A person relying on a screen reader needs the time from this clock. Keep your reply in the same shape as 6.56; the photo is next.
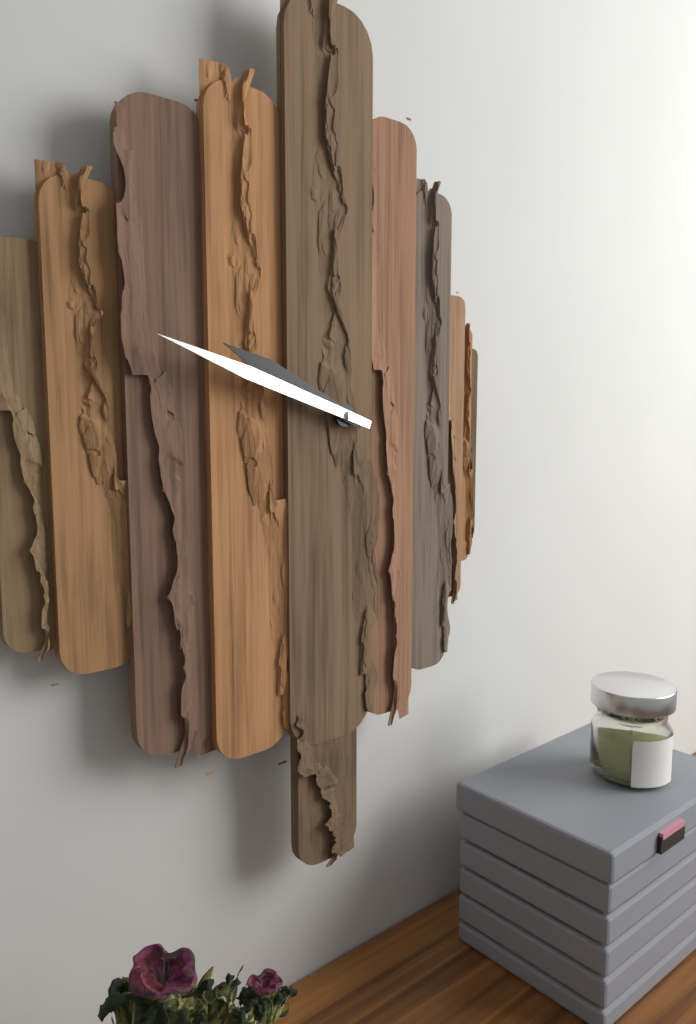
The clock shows 9.48
